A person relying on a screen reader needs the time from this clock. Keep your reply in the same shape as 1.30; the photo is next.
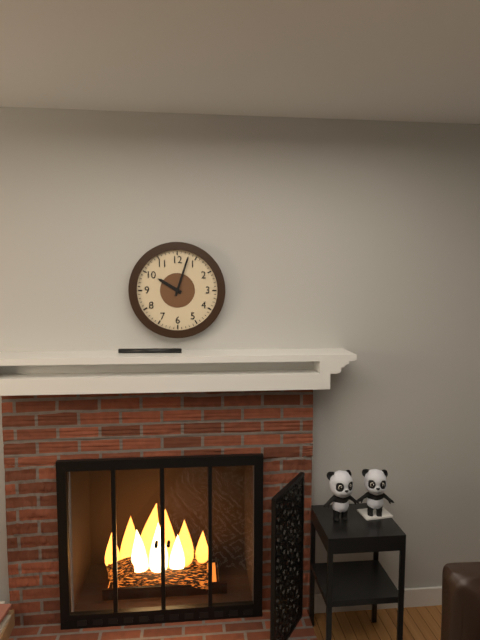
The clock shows 10.03
